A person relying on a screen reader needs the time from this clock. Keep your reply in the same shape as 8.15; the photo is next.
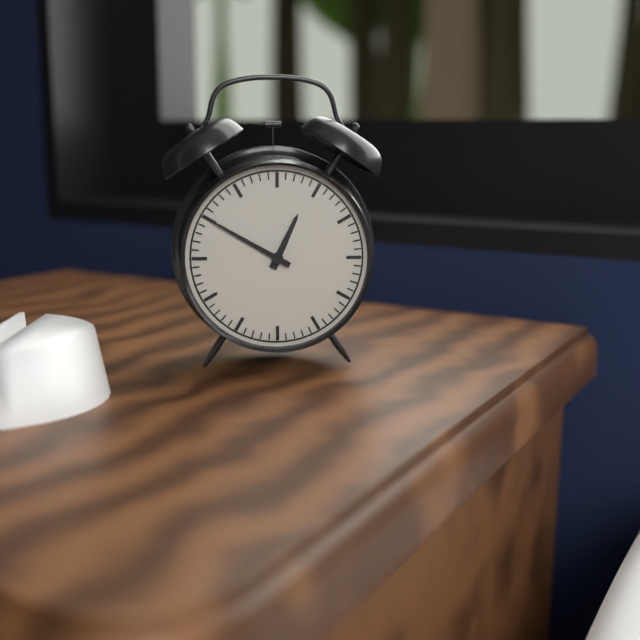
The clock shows 12.50
